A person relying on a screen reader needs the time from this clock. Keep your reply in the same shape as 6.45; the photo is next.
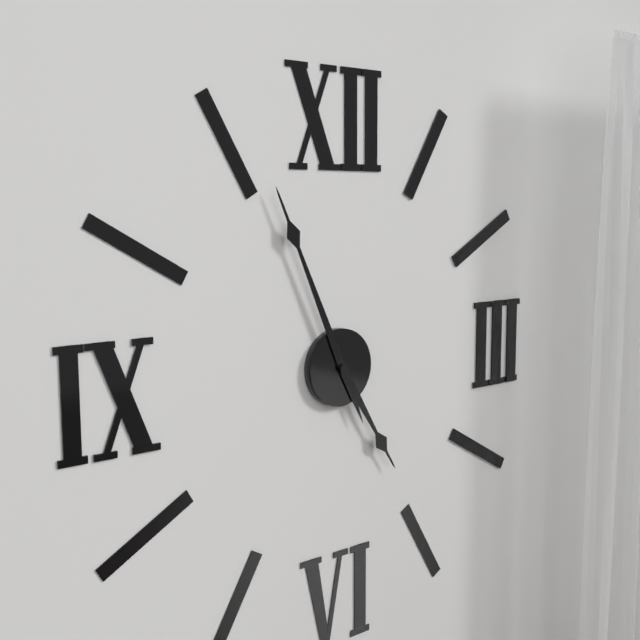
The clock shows 4.56
